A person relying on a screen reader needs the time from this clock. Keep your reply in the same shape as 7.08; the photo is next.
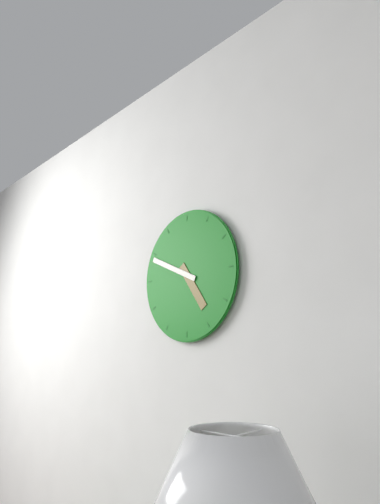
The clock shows 4.49
